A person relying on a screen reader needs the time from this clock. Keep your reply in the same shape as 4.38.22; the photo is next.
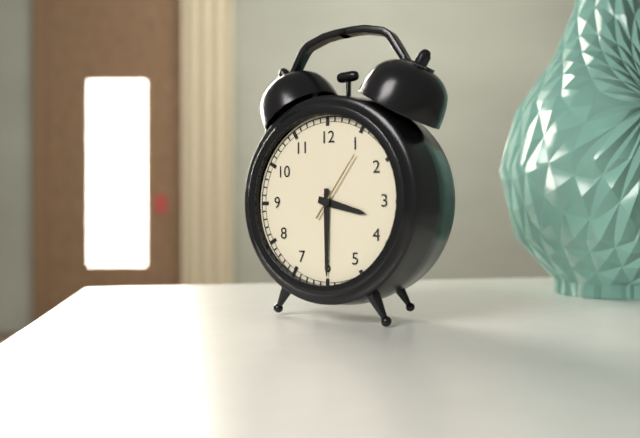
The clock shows 3.30.06
